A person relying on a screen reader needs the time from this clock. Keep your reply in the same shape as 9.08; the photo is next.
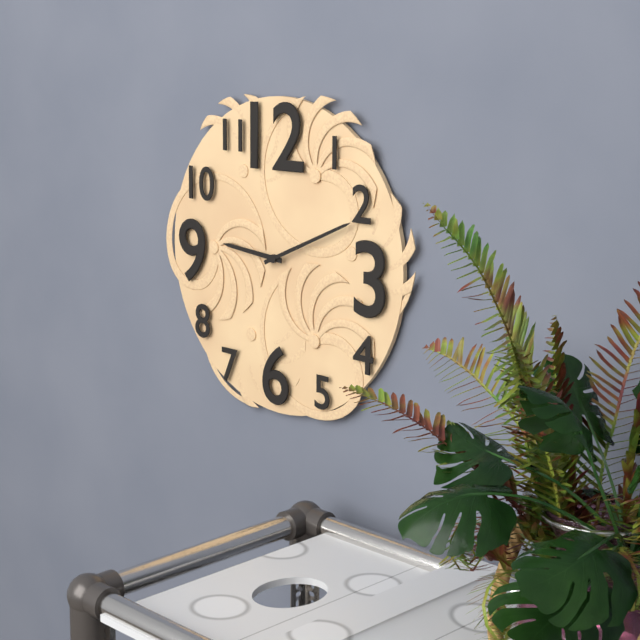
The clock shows 9.11
